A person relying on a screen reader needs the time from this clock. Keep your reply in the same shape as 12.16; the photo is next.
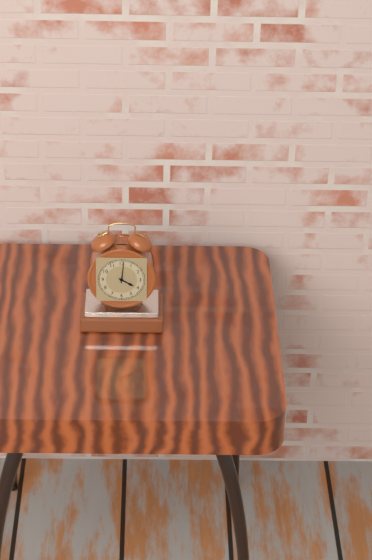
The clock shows 4.01
